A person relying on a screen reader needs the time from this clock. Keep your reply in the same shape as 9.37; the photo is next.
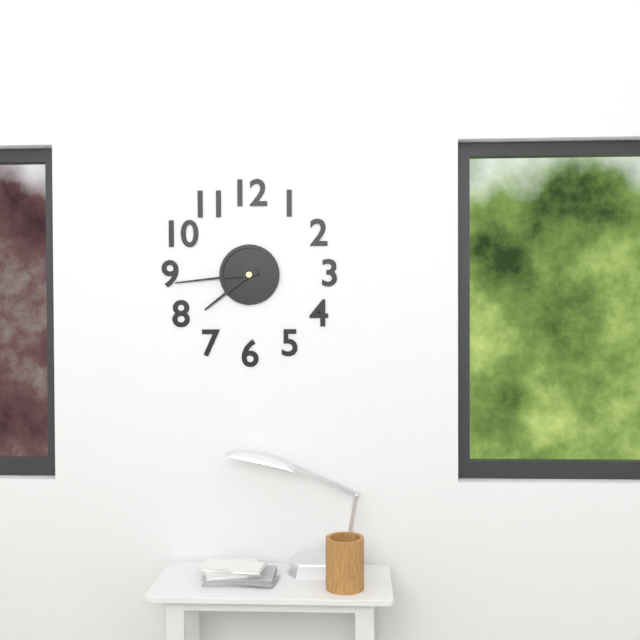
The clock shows 7.44
